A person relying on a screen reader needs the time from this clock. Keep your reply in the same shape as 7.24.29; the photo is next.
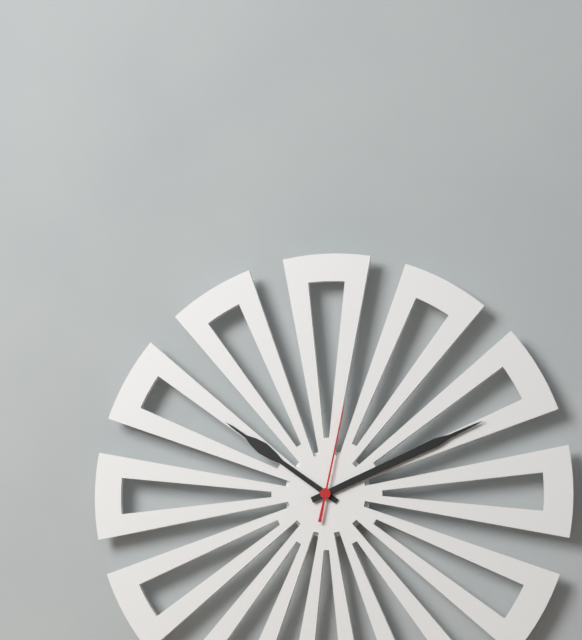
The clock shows 10.11.02
